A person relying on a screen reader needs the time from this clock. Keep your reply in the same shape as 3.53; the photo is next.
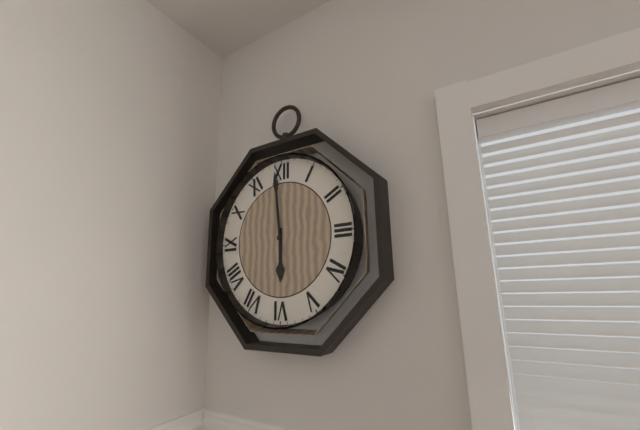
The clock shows 5.59
